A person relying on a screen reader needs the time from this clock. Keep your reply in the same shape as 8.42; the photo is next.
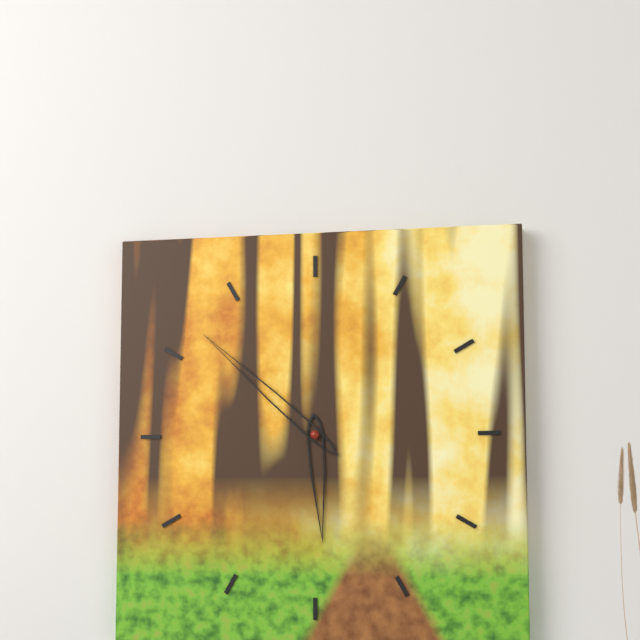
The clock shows 5.52
